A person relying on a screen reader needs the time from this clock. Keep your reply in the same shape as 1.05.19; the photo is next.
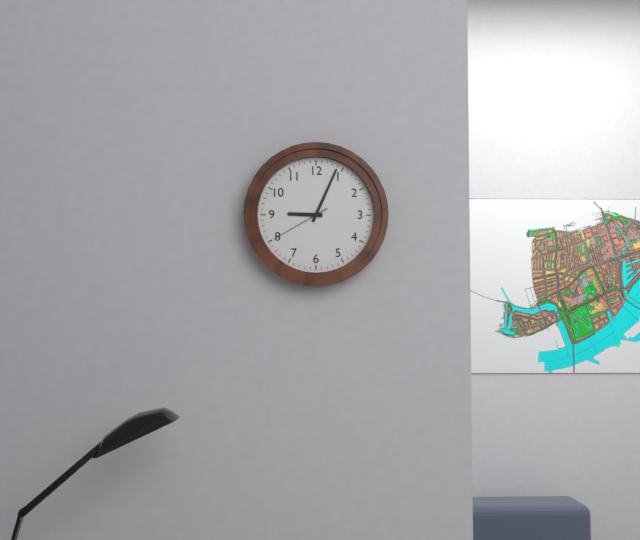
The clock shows 9.04.40
